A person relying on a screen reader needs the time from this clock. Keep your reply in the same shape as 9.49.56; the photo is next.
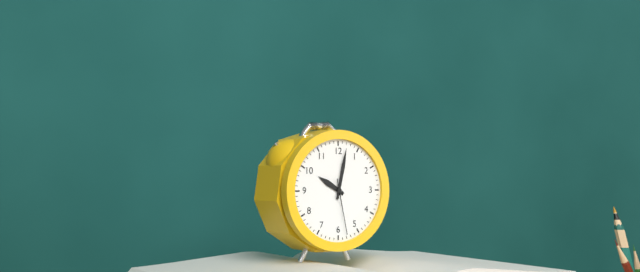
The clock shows 10.02.28
